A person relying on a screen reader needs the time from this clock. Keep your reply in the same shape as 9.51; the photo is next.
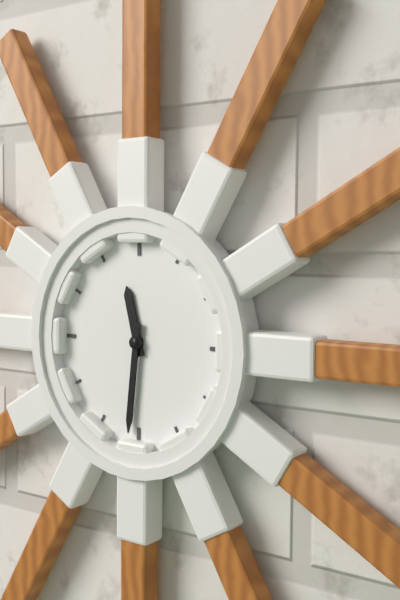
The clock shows 11.31
